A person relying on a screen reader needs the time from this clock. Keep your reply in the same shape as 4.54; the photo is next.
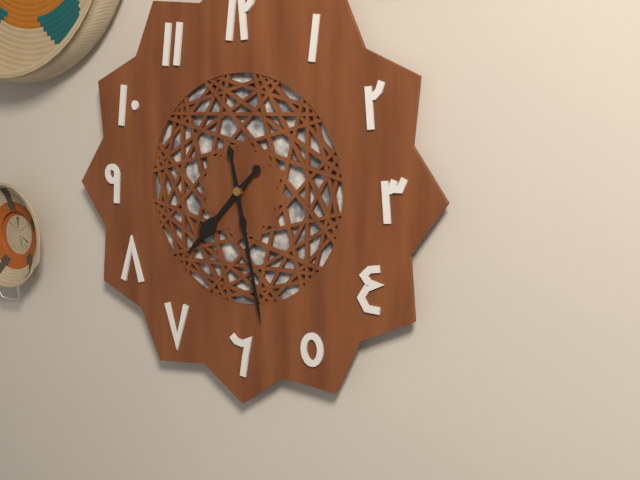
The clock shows 7.28
